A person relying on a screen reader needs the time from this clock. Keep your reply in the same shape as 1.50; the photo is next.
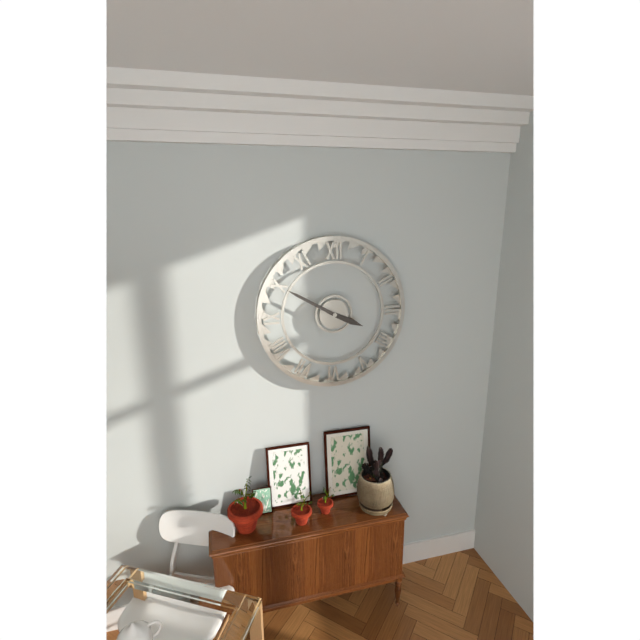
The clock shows 3.50
